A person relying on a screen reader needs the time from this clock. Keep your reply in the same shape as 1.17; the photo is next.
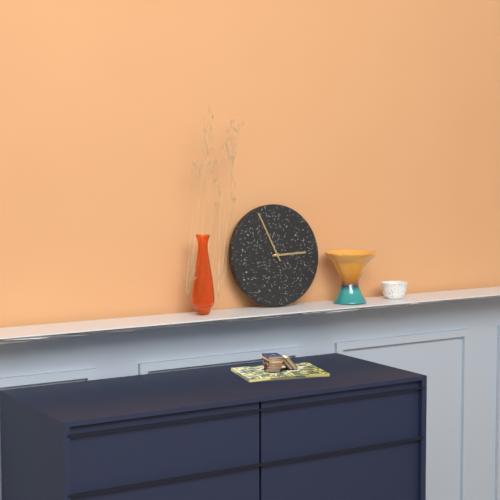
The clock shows 2.56
